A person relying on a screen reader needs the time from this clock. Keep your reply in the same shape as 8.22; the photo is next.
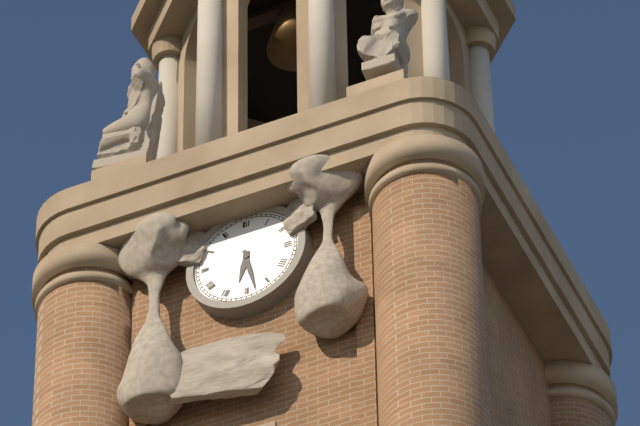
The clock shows 6.28
